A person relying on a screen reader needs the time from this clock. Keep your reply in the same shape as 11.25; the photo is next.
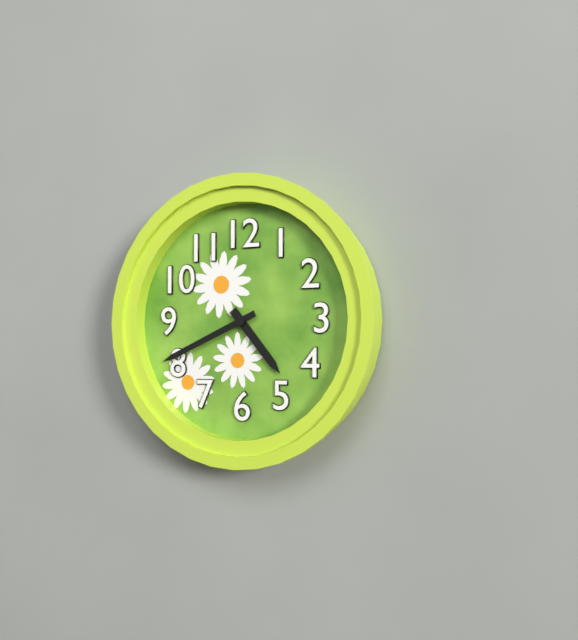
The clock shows 4.41
